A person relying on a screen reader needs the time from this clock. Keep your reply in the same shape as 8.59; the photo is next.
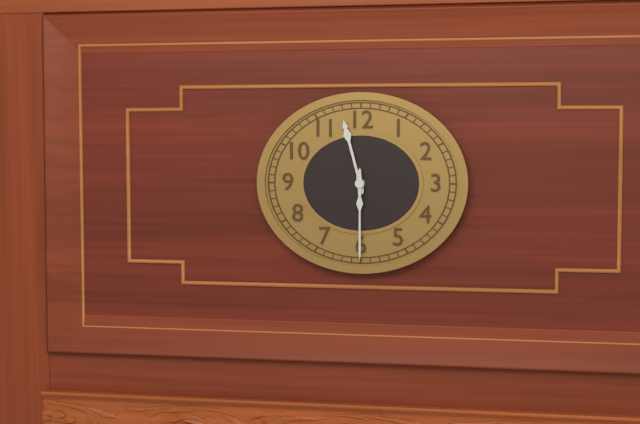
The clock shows 11.30
